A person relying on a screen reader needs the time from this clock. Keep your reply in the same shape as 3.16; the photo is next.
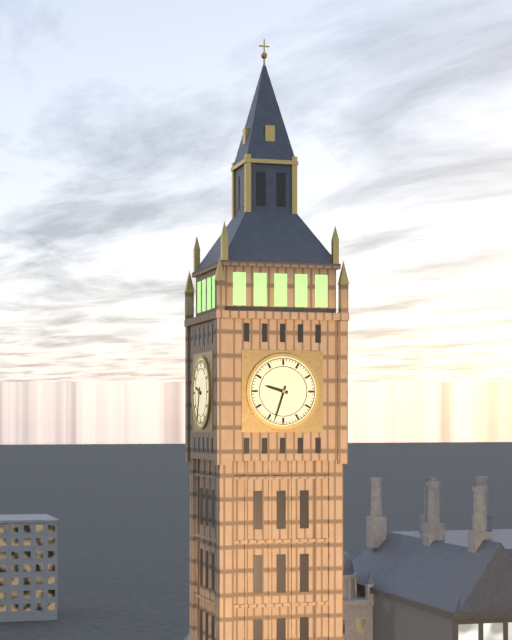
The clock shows 9.33
